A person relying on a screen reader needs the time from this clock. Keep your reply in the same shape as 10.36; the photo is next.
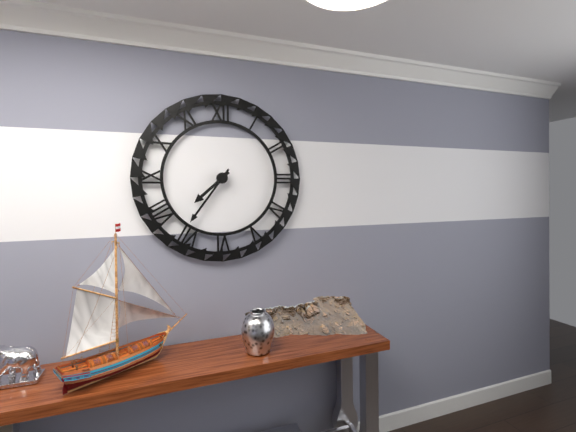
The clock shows 7.36
